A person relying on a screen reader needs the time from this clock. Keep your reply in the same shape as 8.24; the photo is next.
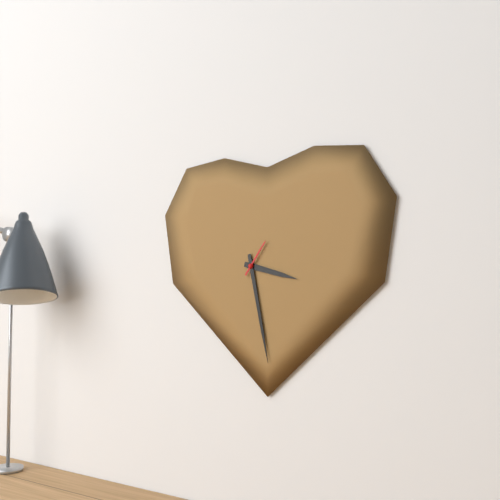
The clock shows 3.28
